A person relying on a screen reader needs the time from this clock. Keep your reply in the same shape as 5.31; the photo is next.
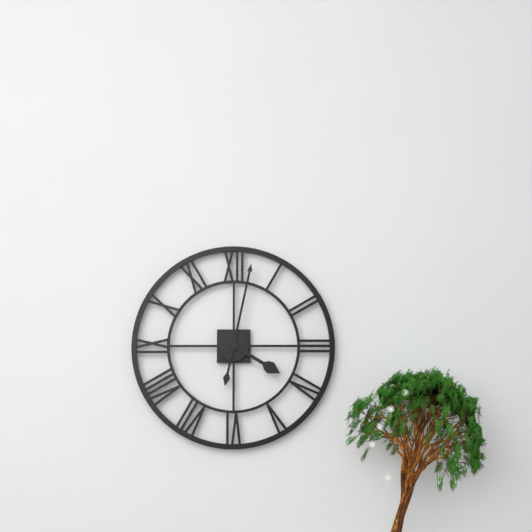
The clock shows 4.02
